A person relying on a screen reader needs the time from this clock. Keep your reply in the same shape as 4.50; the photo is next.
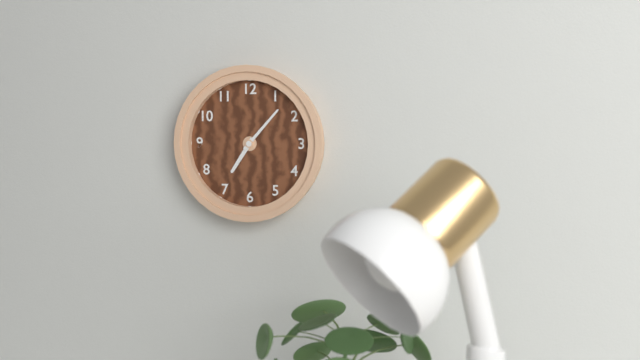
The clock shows 7.07
